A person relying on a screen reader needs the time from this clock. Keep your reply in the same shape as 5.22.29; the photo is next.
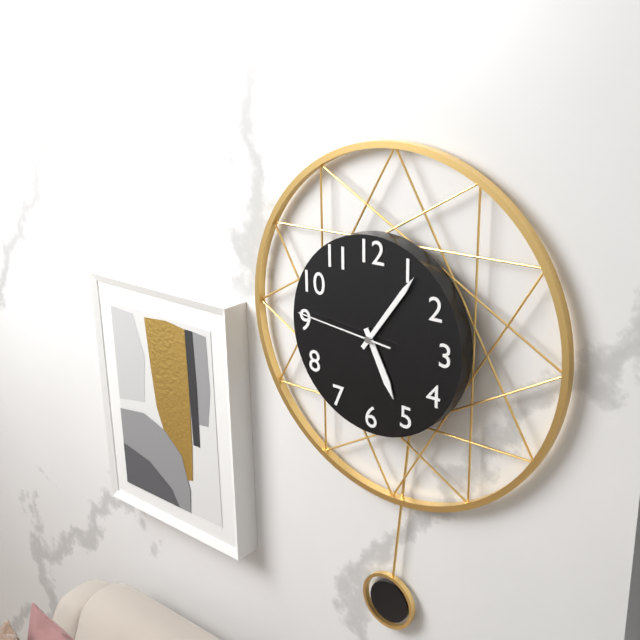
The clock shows 5.06.46
